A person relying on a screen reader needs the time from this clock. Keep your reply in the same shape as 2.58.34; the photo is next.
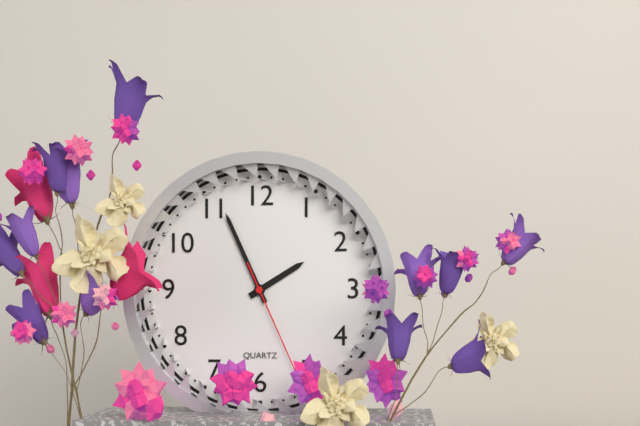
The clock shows 1.56.26
